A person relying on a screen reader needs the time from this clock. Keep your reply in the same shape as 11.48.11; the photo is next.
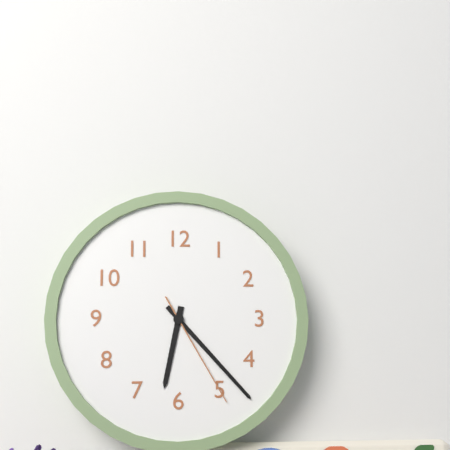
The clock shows 6.23.25
